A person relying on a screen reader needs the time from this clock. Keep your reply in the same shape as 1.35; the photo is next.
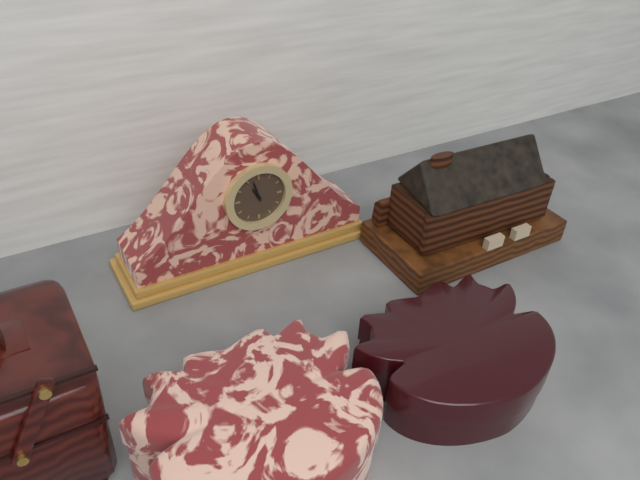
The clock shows 10.57
